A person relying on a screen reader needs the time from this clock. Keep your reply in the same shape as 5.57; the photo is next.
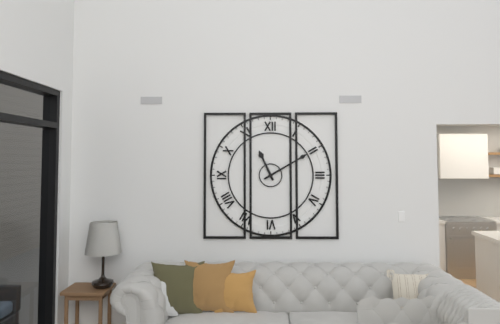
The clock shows 11.10
